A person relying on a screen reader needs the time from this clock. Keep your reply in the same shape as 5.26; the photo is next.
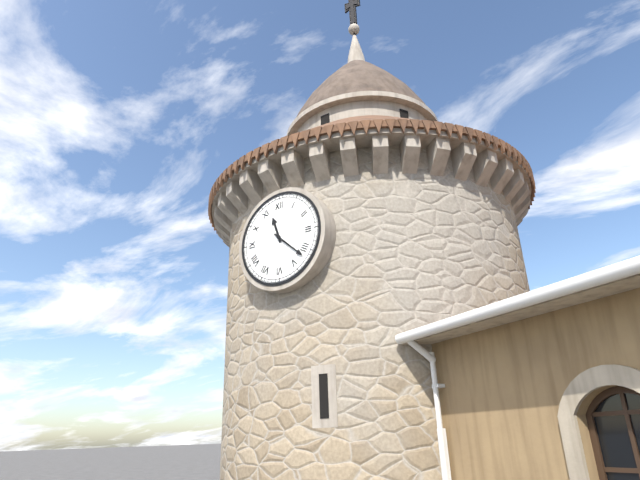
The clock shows 11.22
